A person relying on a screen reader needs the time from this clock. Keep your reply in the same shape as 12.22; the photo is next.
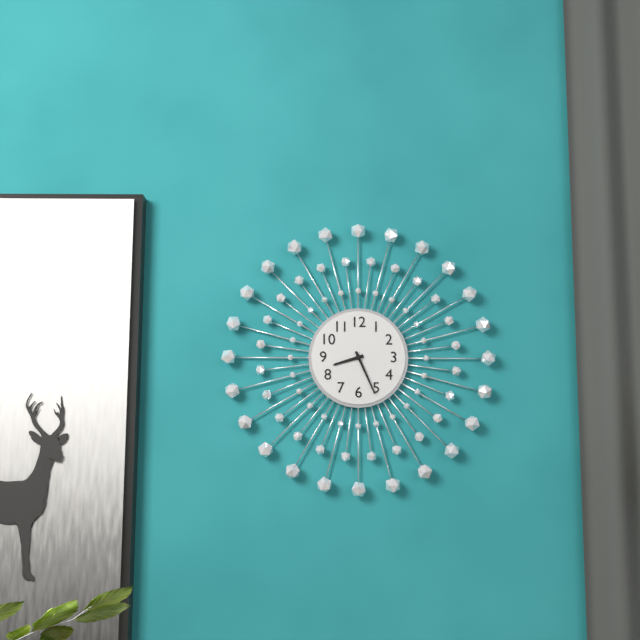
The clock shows 8.26
